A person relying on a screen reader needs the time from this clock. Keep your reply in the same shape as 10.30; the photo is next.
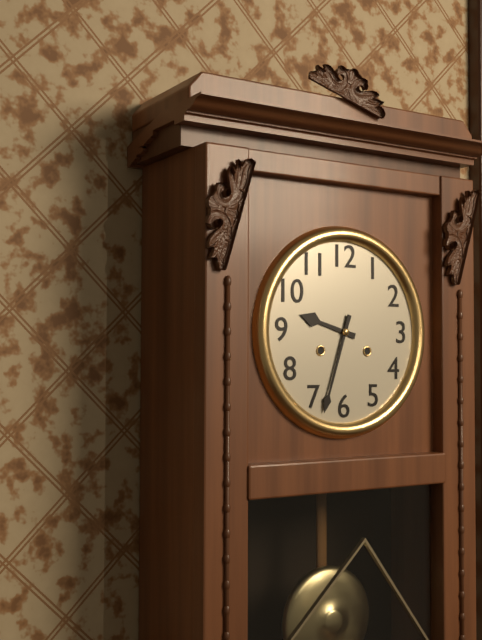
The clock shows 9.33
